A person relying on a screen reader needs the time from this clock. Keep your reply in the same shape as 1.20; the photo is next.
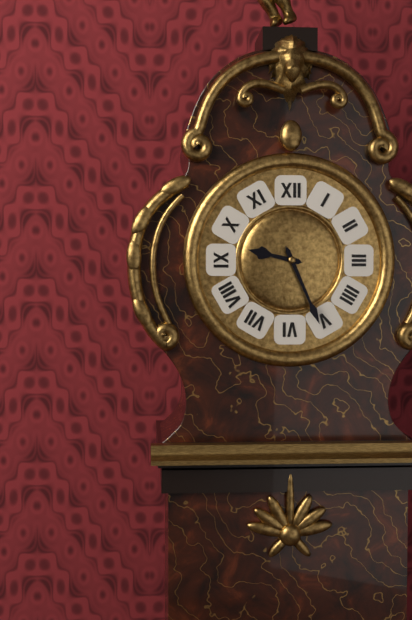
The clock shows 9.26
